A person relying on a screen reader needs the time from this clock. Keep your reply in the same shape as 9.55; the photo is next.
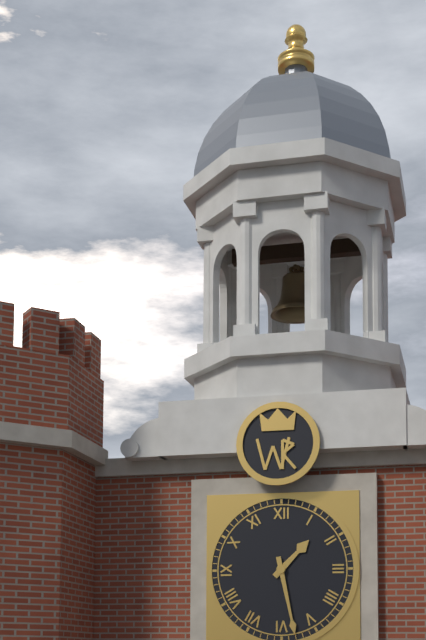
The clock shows 1.28
